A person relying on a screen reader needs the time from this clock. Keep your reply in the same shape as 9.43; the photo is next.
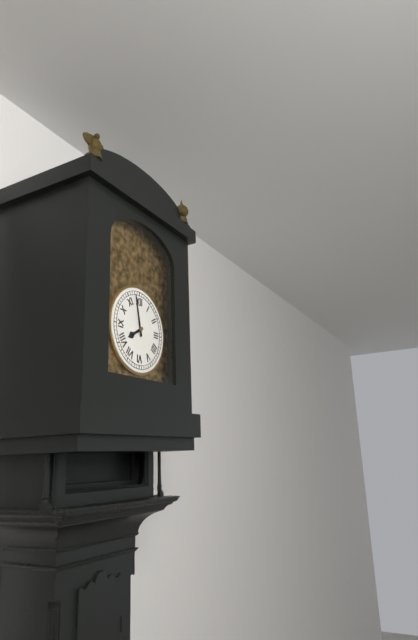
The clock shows 7.58
